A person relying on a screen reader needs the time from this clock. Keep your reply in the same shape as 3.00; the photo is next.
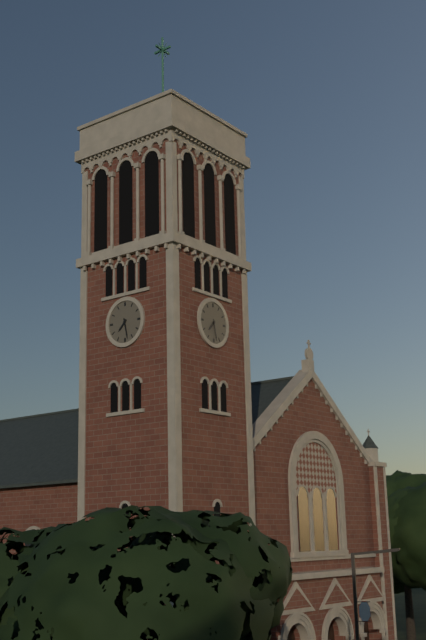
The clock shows 7.28
